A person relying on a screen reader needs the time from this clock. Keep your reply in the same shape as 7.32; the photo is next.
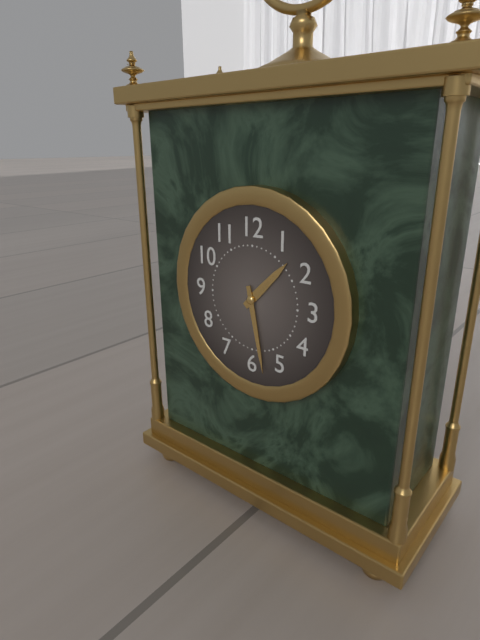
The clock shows 1.28
